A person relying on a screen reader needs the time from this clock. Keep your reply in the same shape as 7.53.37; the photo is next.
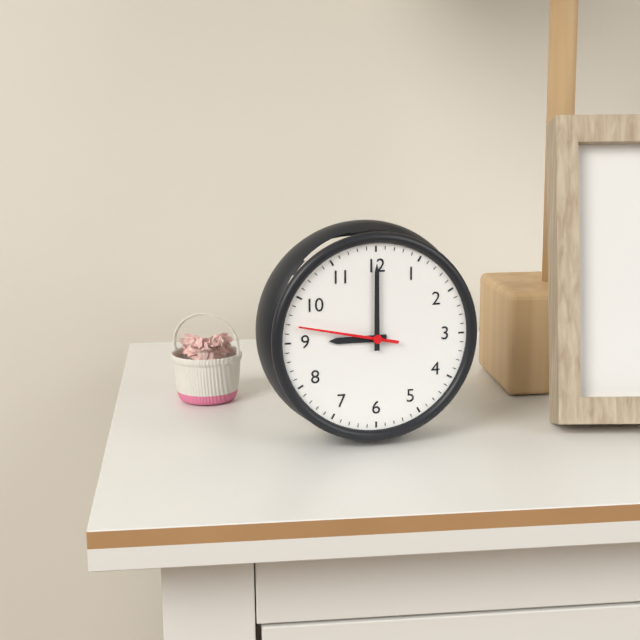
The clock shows 9.00.47
